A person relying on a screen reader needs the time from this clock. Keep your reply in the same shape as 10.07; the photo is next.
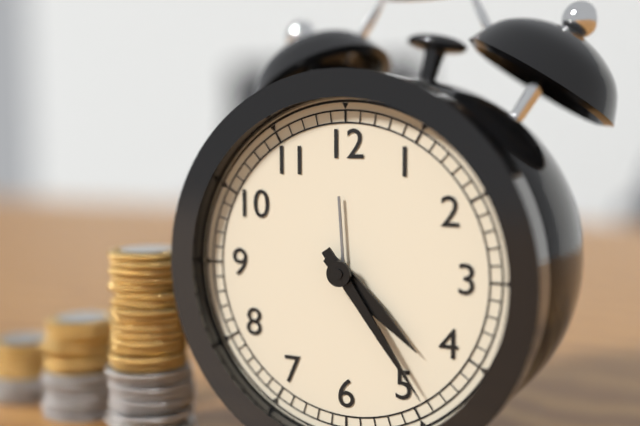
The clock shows 4.24
